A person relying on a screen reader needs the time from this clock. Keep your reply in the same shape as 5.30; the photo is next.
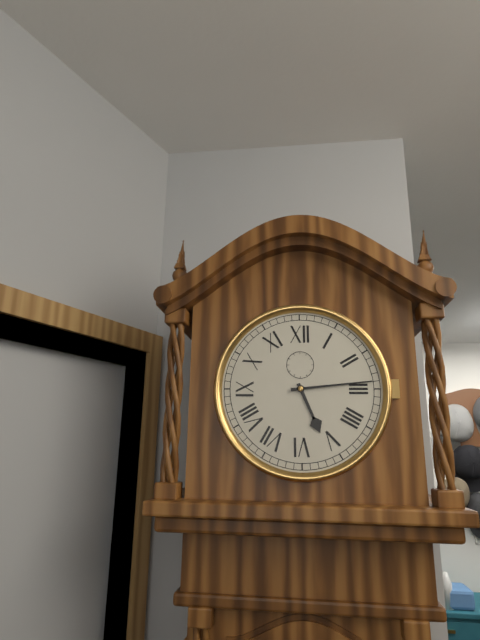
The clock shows 5.14
